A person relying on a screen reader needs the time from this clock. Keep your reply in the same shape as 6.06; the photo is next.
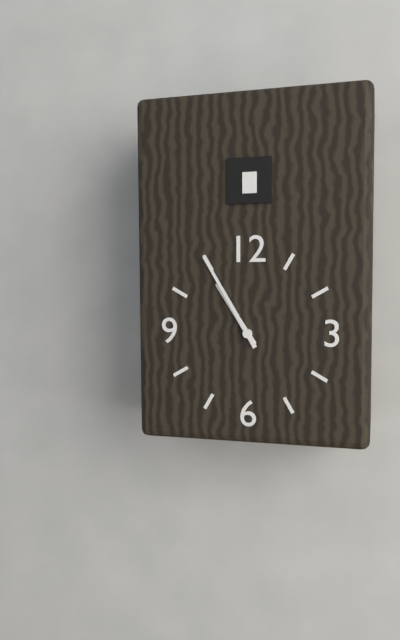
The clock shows 10.55
